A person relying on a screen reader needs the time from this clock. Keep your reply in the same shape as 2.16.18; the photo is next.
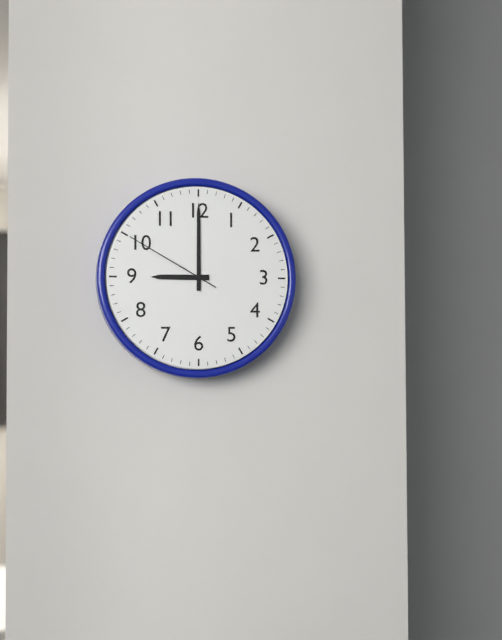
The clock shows 9.00.50
